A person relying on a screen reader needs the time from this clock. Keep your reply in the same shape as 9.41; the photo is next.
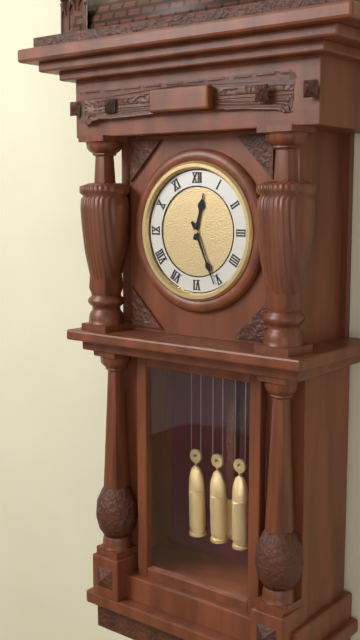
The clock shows 12.26
